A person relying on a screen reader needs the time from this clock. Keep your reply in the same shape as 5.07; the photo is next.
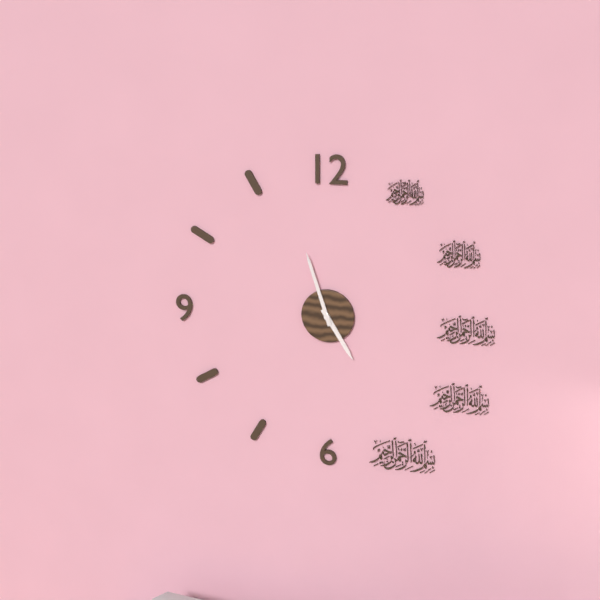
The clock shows 4.57
